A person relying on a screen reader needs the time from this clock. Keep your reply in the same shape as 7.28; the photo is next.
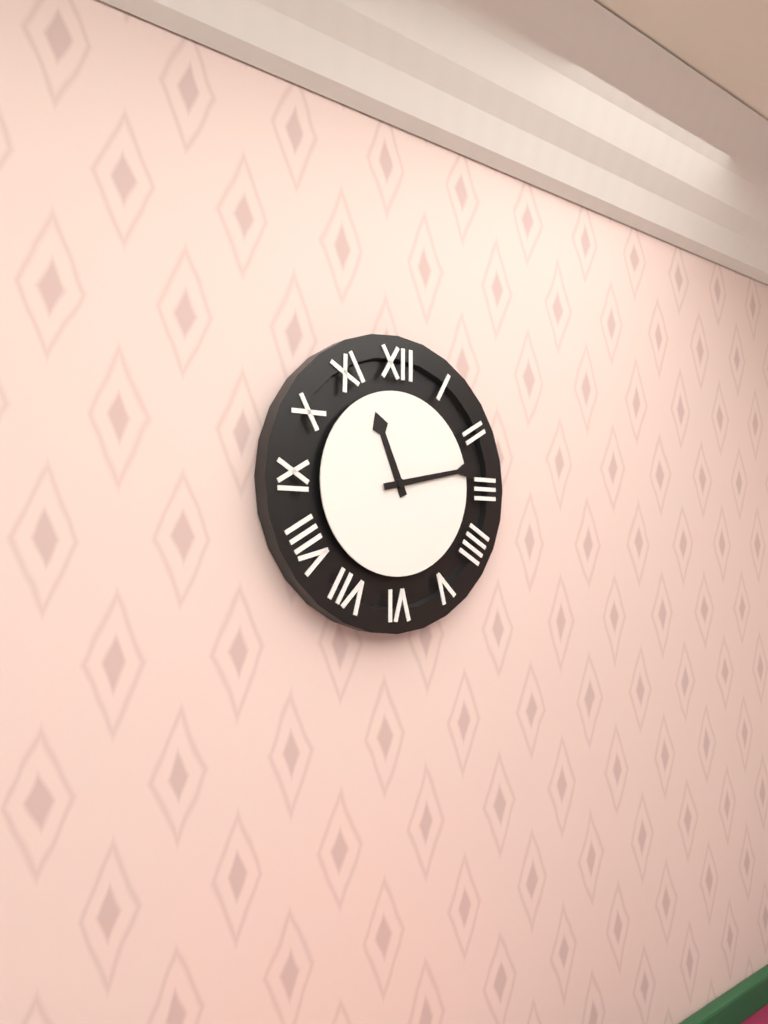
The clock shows 11.13
